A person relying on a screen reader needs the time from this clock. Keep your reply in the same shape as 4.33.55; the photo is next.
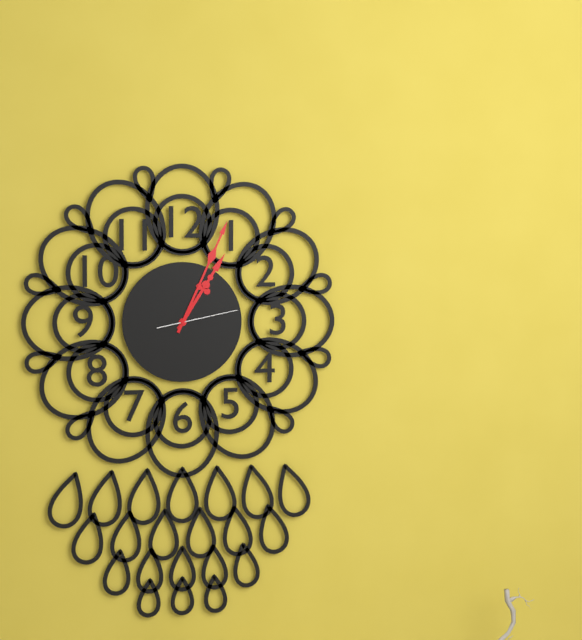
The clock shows 1.04.13
